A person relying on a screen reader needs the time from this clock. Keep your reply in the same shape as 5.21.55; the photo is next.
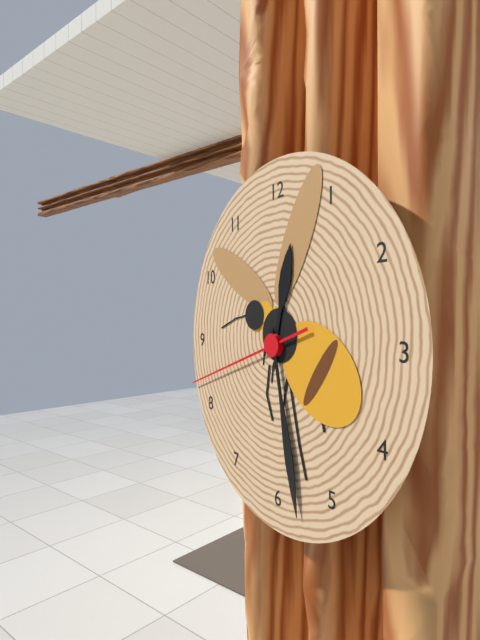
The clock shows 12.28.42
